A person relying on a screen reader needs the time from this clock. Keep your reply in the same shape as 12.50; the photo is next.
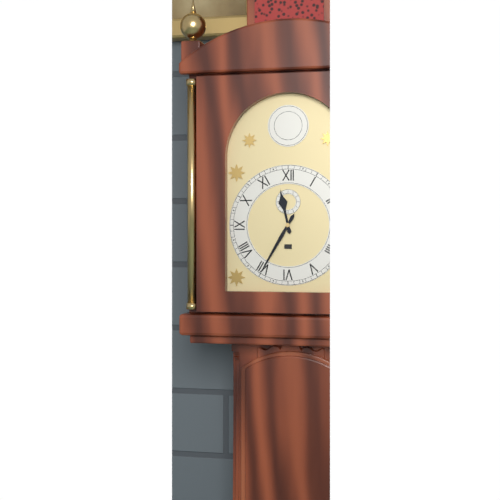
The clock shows 11.35
